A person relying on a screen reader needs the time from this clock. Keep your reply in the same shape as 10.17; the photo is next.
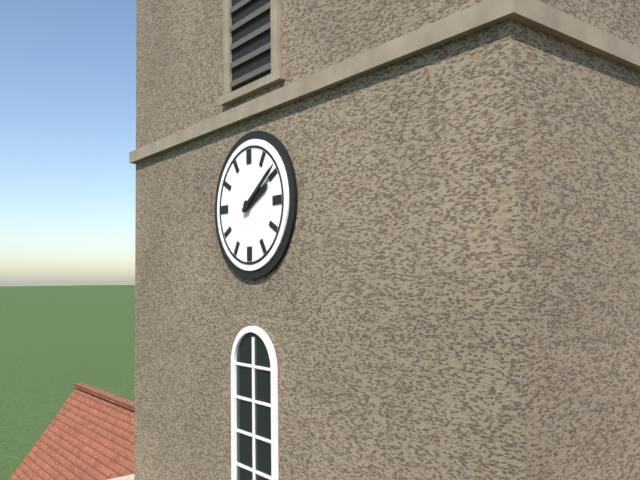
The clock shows 2.09
